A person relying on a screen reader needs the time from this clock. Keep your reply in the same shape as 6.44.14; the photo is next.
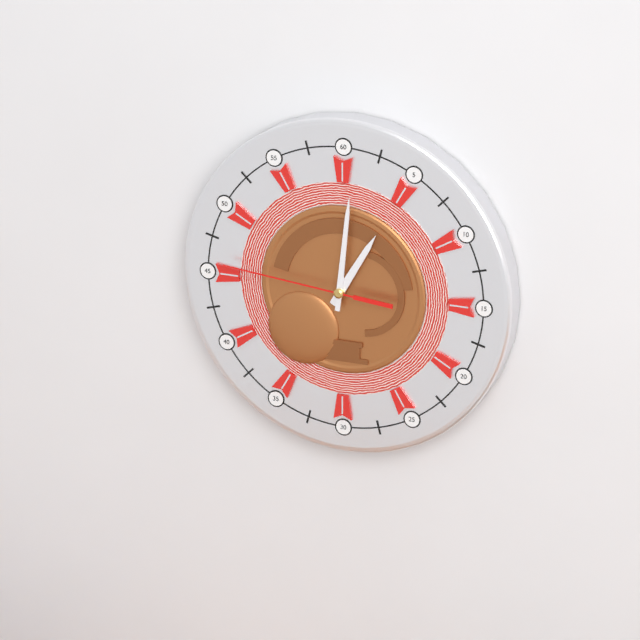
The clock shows 1.01.46
